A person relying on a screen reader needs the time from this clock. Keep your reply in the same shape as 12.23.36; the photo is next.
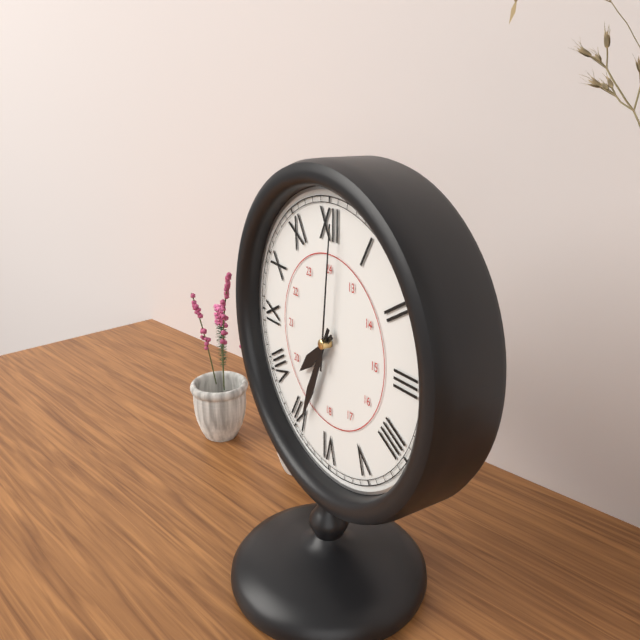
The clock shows 7.34.01
